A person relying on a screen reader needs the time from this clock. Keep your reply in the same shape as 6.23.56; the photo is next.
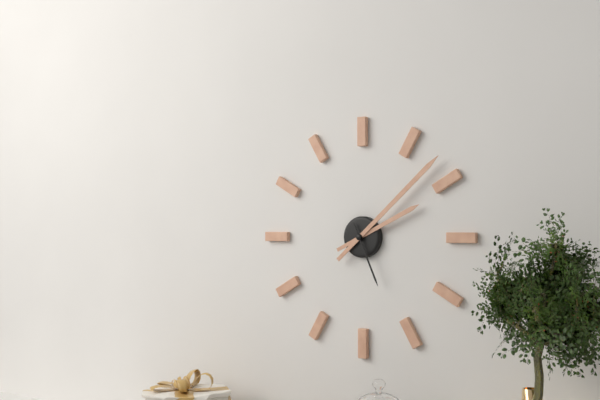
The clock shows 2.08.26
